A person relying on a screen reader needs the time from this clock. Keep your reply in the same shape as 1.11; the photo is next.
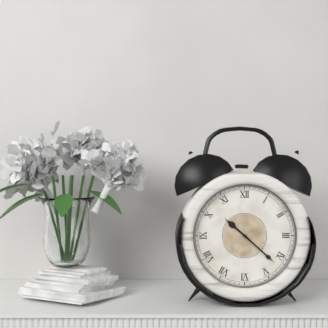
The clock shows 10.22
